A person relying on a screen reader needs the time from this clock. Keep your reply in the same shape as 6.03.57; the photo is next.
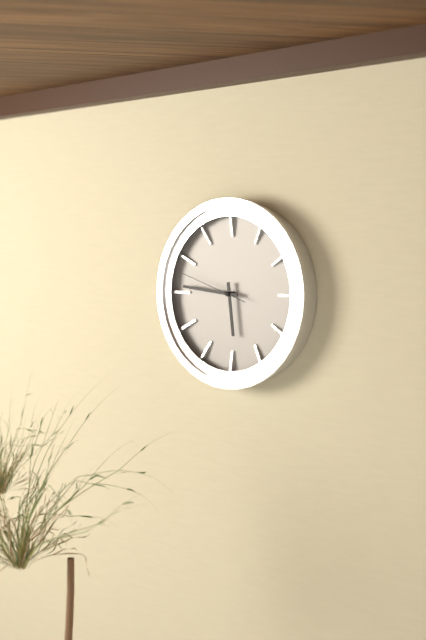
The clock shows 5.46.48
